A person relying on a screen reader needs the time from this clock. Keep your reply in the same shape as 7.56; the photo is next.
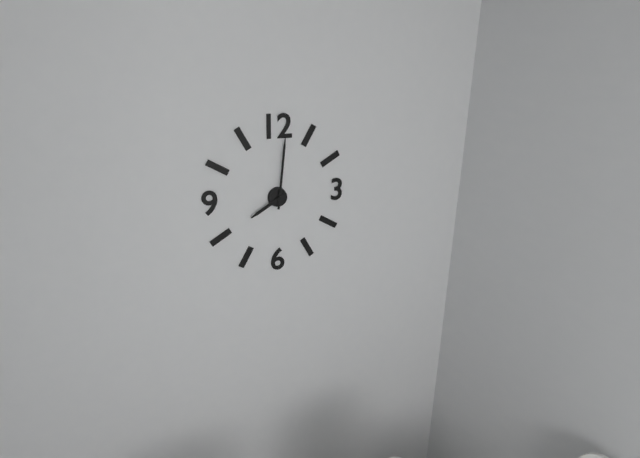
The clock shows 8.01
